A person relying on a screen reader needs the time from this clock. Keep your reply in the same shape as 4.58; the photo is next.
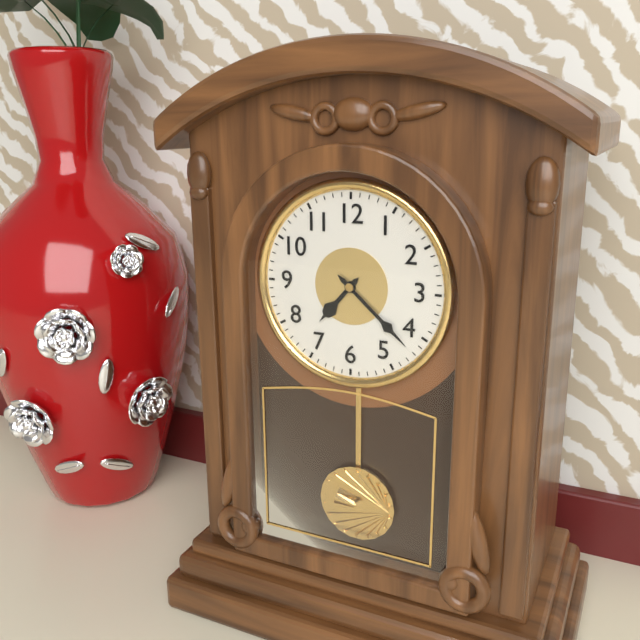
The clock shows 7.22
